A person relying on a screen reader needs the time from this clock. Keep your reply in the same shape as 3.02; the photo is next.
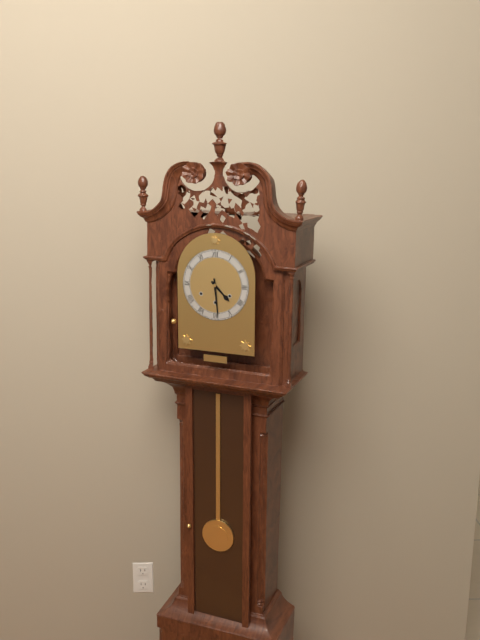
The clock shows 4.29
